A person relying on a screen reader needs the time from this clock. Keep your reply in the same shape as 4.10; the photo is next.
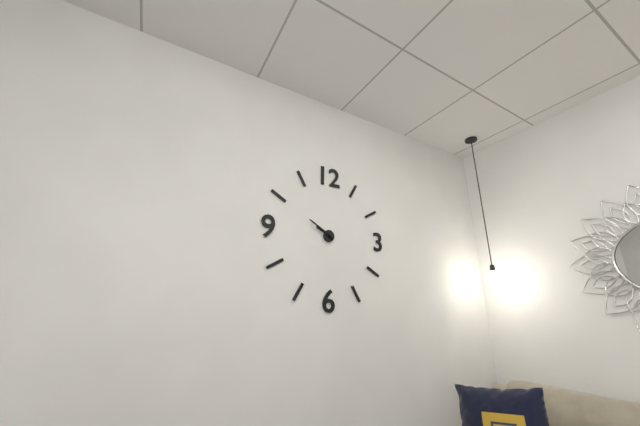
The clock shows 9.50
